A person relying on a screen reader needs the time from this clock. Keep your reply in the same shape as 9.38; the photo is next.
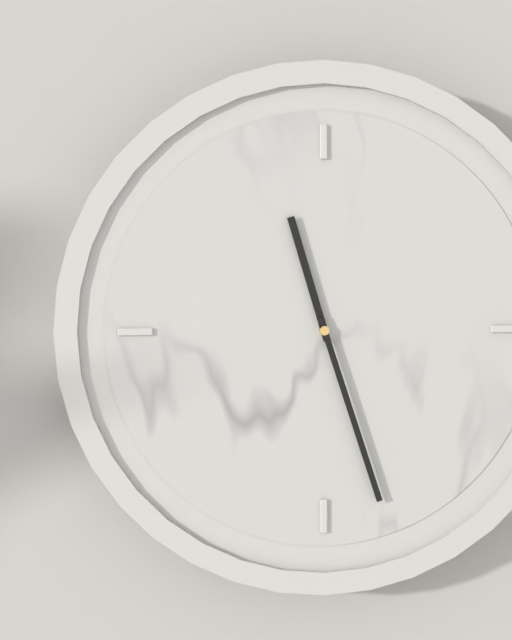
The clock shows 11.27
